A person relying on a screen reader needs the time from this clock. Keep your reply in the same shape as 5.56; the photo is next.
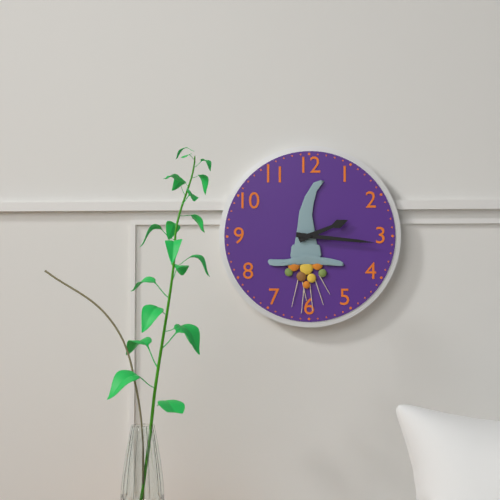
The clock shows 2.16
